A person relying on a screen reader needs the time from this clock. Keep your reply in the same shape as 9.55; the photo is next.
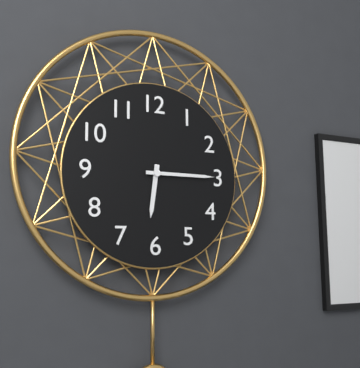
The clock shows 6.15
